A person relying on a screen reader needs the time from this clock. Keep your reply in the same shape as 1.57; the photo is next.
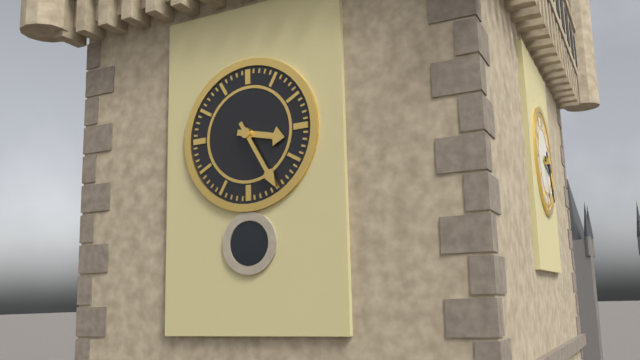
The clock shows 3.25
